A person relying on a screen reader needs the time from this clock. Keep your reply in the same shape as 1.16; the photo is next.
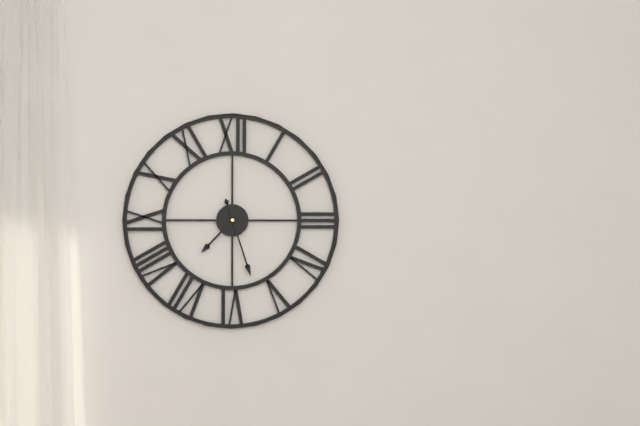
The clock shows 7.27
